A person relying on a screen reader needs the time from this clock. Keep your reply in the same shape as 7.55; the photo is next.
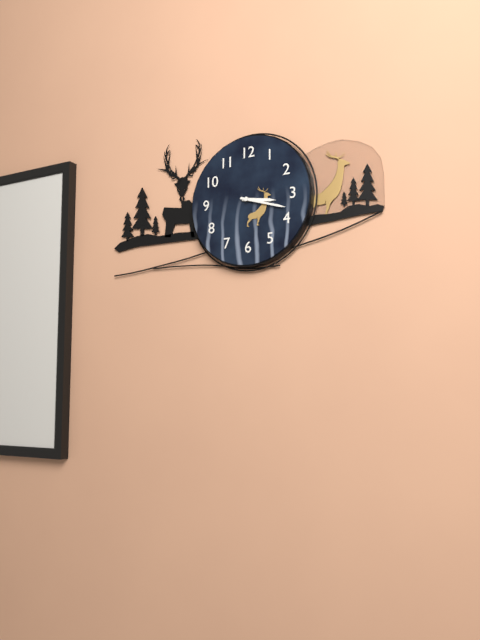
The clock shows 3.18
